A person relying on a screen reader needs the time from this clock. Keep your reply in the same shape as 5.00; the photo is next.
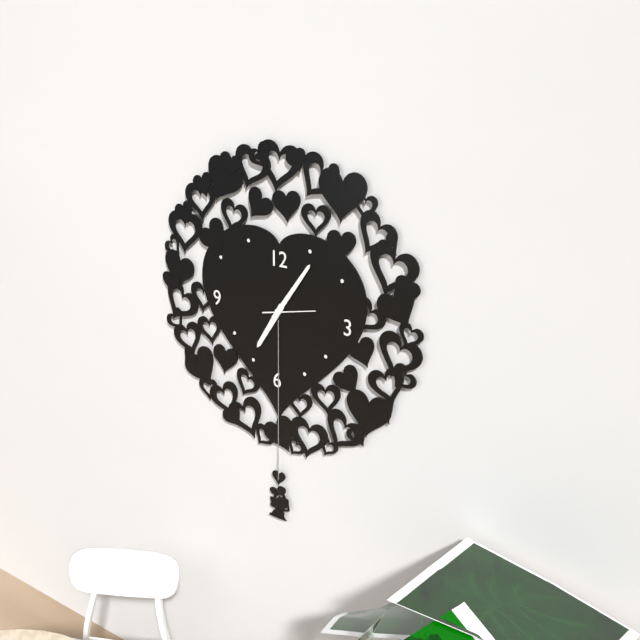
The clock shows 7.06
